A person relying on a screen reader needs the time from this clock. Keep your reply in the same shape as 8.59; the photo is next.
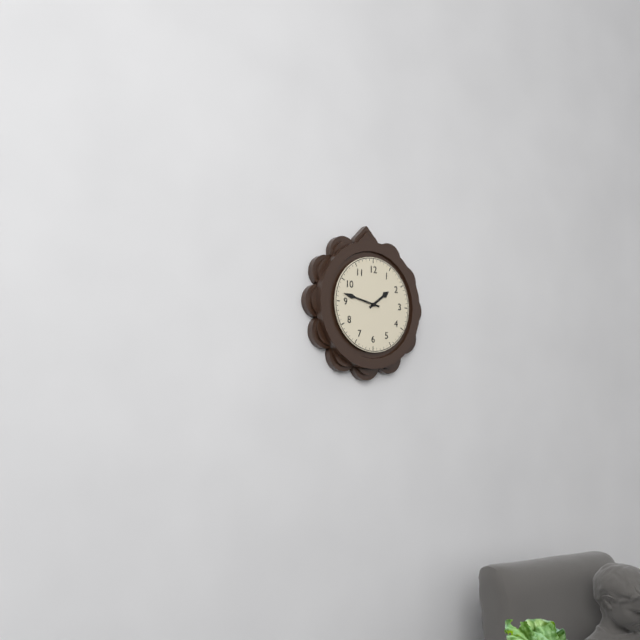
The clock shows 1.47
